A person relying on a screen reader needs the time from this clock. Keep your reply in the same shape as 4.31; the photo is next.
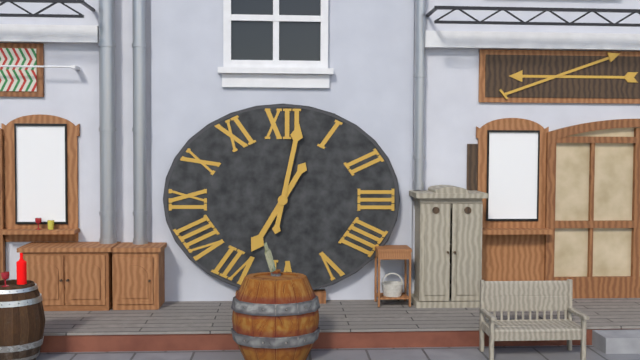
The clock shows 7.02
